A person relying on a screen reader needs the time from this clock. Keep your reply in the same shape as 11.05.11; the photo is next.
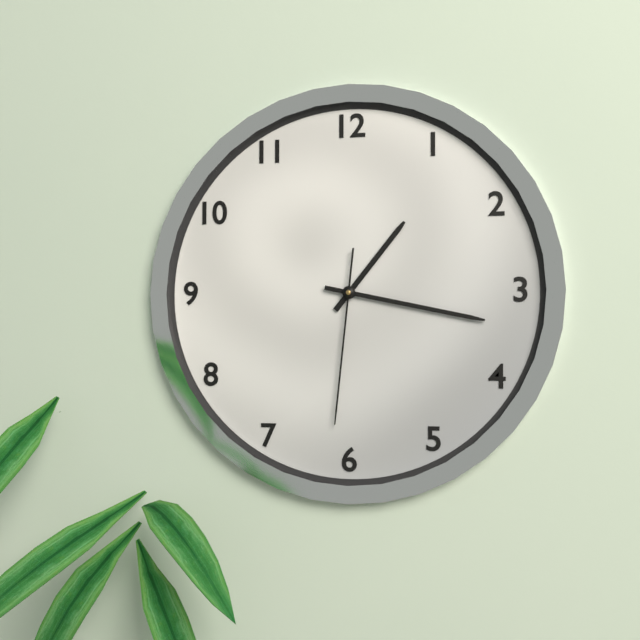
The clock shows 1.17.31
